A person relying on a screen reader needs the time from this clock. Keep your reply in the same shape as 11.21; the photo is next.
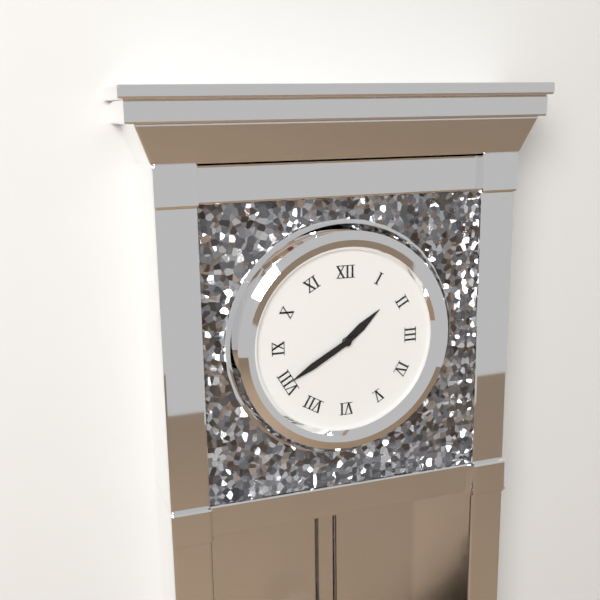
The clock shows 1.40
